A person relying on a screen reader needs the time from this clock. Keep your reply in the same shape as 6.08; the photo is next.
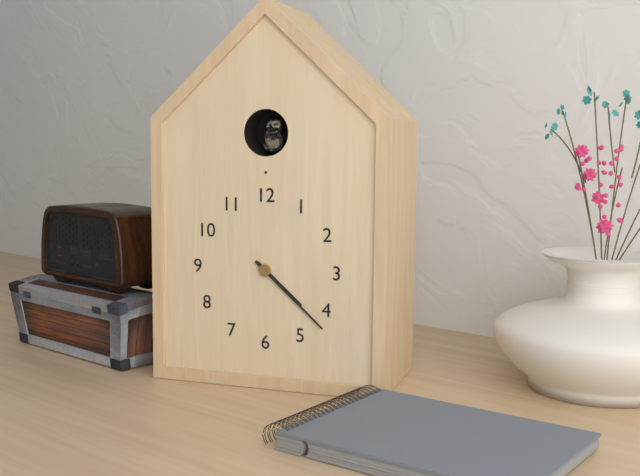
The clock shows 4.22
